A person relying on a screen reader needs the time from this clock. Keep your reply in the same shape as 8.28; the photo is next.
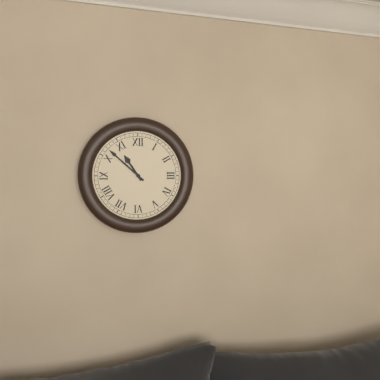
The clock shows 10.52
